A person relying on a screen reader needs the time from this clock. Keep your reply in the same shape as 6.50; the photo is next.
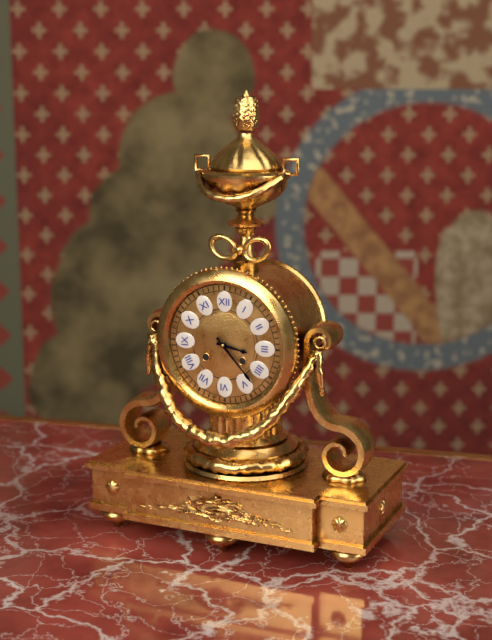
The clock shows 3.23
